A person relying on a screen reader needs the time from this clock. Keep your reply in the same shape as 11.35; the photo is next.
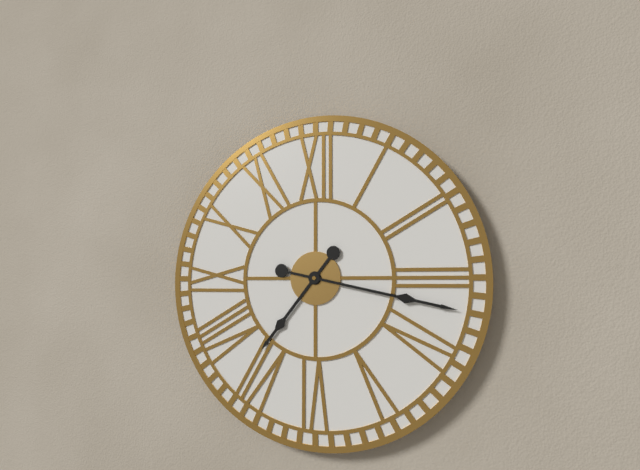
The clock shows 7.17
